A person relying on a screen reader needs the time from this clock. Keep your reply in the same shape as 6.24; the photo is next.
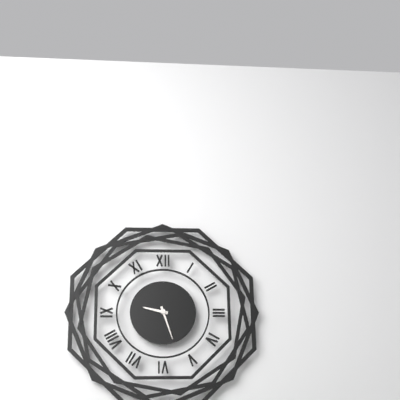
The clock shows 9.27
